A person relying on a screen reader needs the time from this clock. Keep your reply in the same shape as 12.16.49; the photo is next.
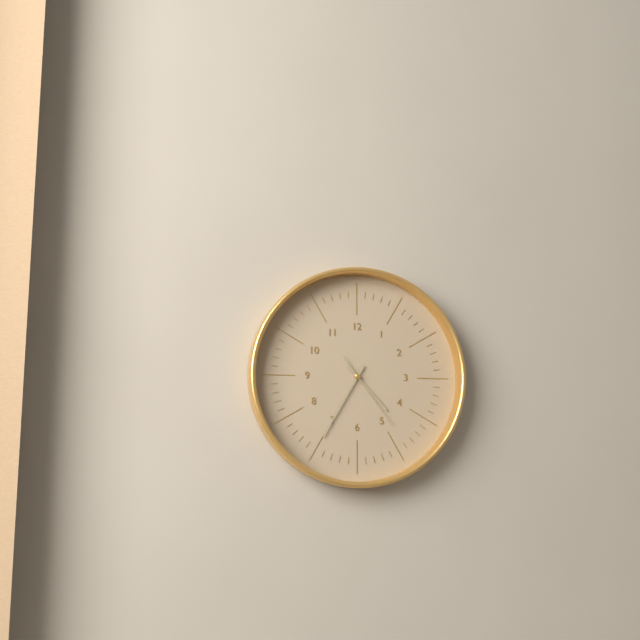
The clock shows 4.35.24
